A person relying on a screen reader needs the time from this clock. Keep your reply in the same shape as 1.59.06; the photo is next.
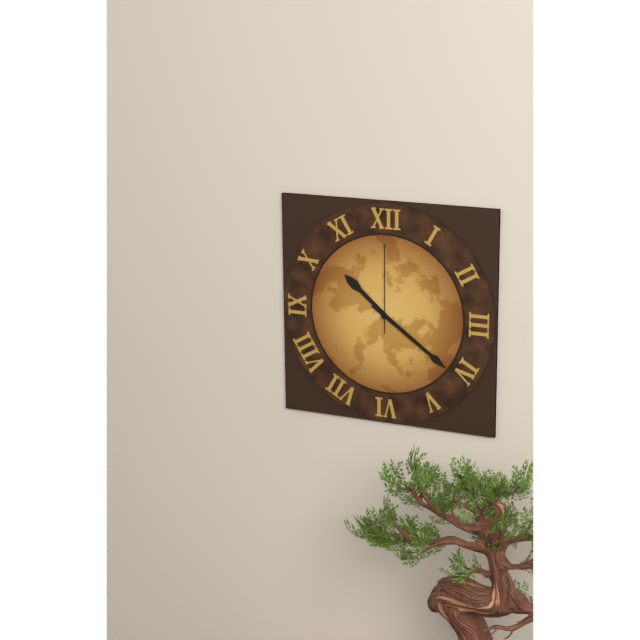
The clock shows 10.21.00
